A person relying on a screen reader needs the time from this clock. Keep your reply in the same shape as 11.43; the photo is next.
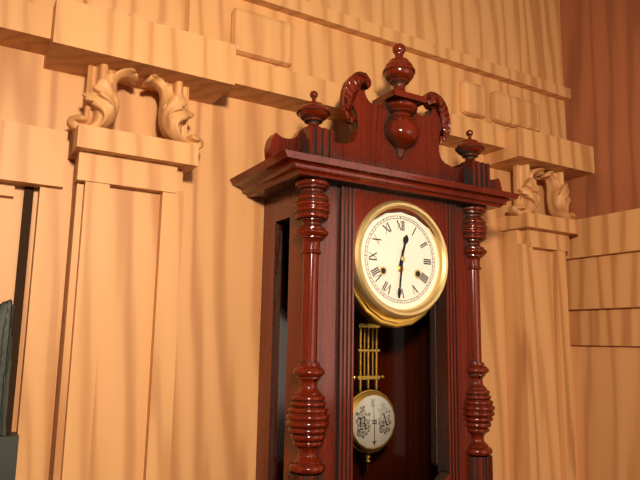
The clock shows 12.31
